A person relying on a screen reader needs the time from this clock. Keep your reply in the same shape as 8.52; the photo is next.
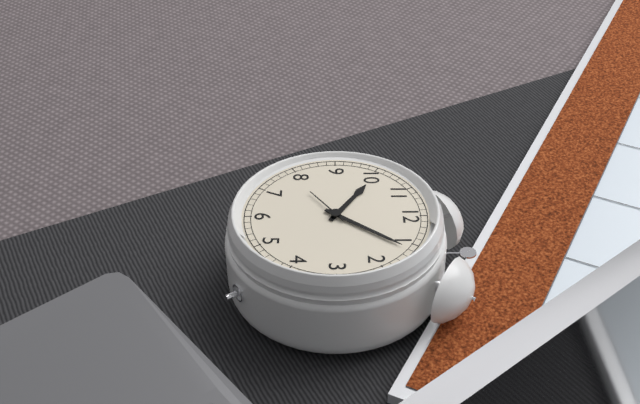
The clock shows 10.06
